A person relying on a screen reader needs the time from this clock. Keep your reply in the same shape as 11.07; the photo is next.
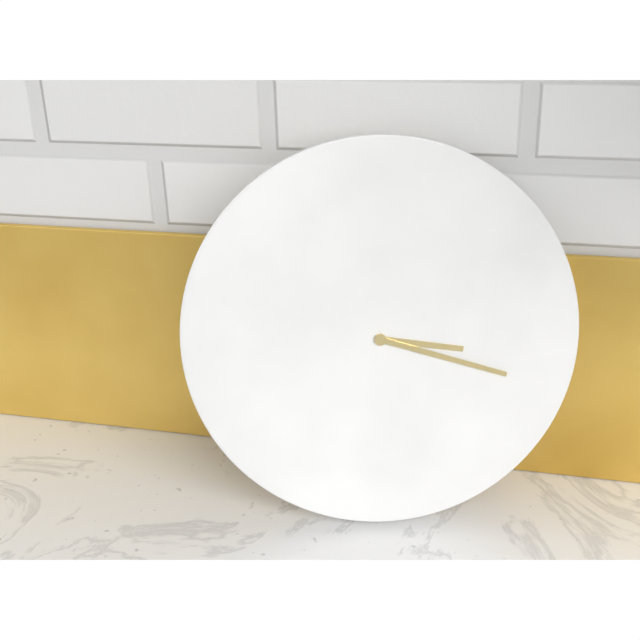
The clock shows 3.18
